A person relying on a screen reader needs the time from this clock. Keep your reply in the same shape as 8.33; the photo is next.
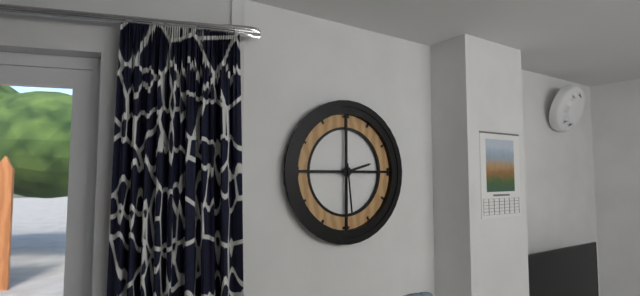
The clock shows 2.29
